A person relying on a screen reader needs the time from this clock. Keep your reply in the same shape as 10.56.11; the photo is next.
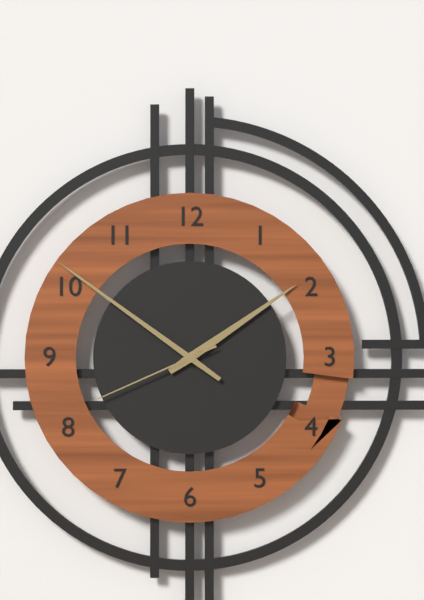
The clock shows 1.51.41
